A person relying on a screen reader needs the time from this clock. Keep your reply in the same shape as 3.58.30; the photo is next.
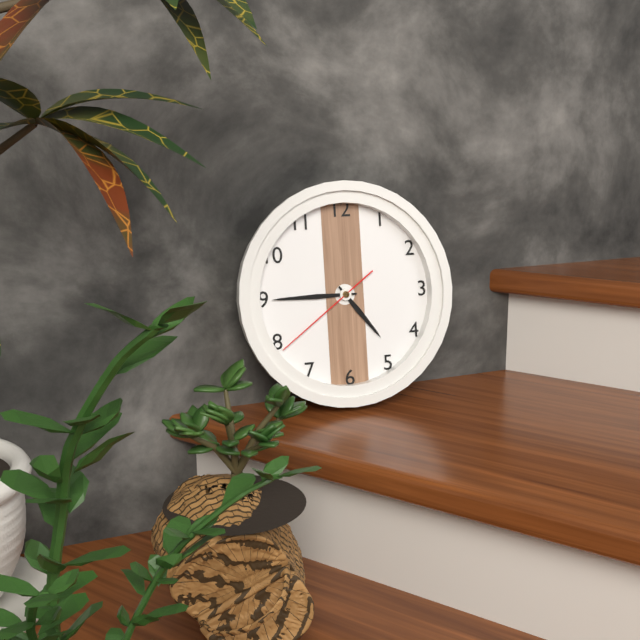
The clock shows 4.45.39
